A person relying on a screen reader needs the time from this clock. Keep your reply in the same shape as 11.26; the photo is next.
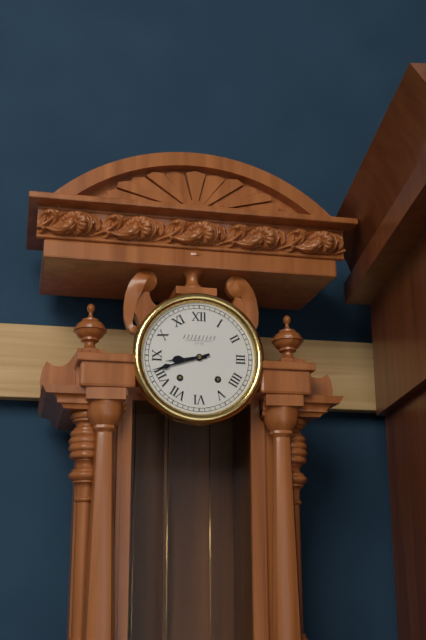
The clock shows 8.42
